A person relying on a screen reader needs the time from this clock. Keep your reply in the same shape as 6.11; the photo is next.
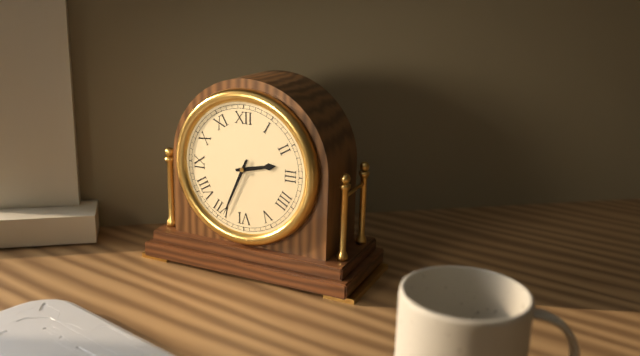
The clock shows 2.34
